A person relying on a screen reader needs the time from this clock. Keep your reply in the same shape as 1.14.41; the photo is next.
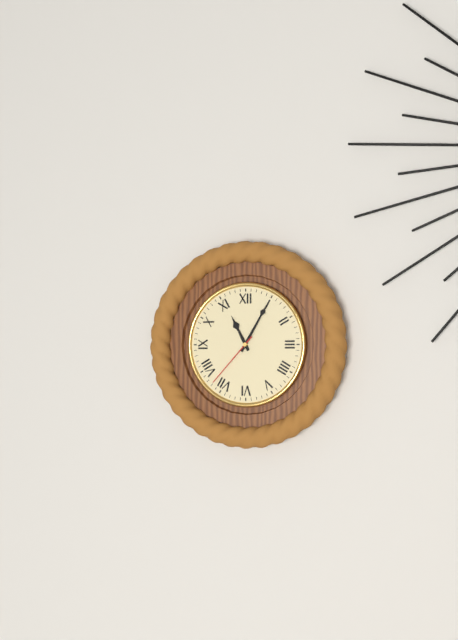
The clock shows 11.05.37
